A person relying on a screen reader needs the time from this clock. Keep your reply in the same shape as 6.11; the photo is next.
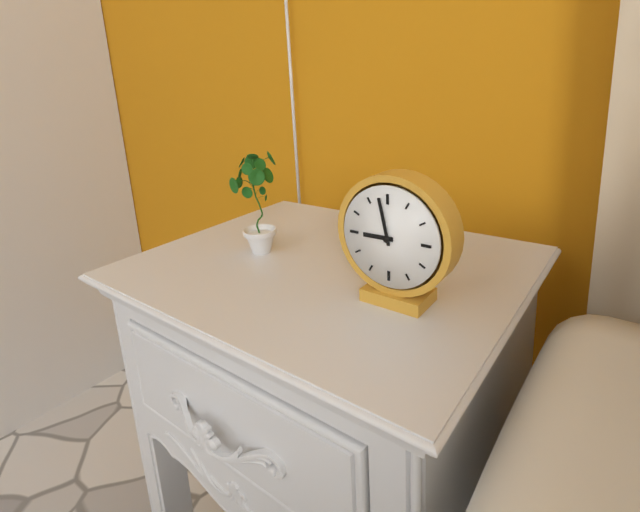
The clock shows 8.58
